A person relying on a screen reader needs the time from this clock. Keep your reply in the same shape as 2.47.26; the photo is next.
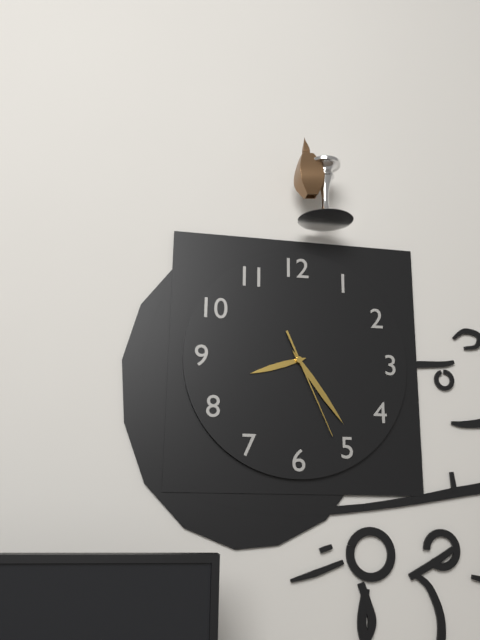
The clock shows 8.24.26
